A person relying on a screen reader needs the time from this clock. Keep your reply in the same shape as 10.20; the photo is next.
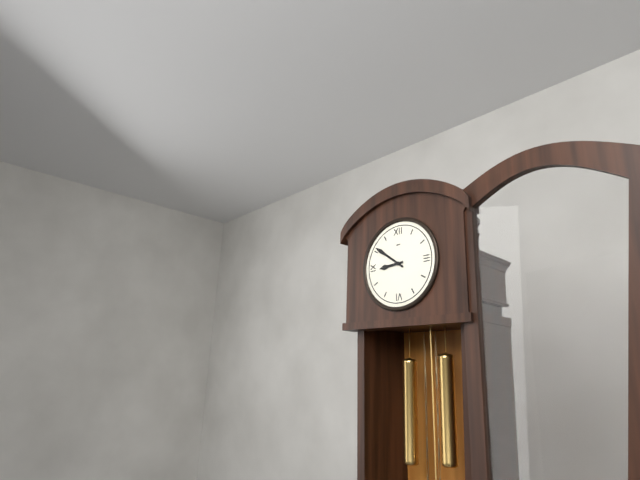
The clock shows 8.51
